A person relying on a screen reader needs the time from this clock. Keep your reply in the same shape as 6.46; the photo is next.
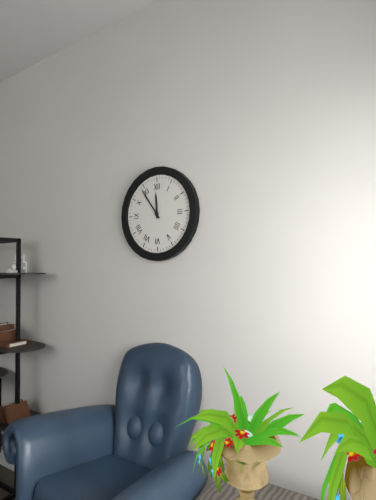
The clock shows 11.54
